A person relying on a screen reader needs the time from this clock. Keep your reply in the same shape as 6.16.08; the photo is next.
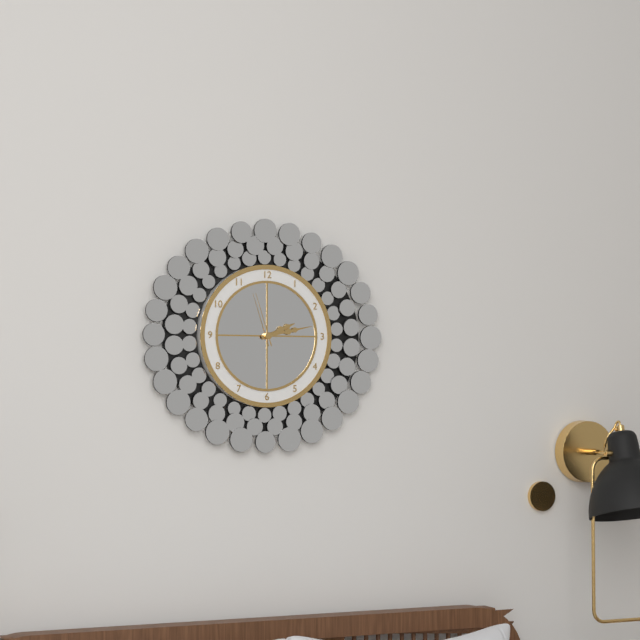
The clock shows 2.13.57
